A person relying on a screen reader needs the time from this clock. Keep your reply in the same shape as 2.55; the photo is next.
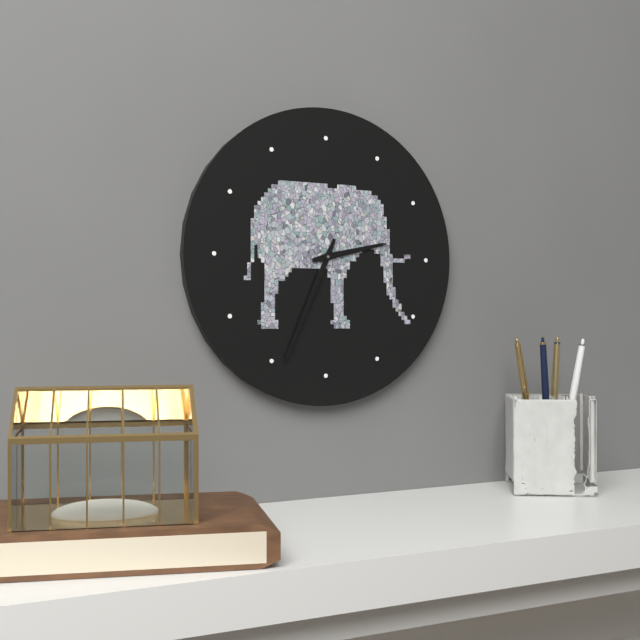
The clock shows 2.34
